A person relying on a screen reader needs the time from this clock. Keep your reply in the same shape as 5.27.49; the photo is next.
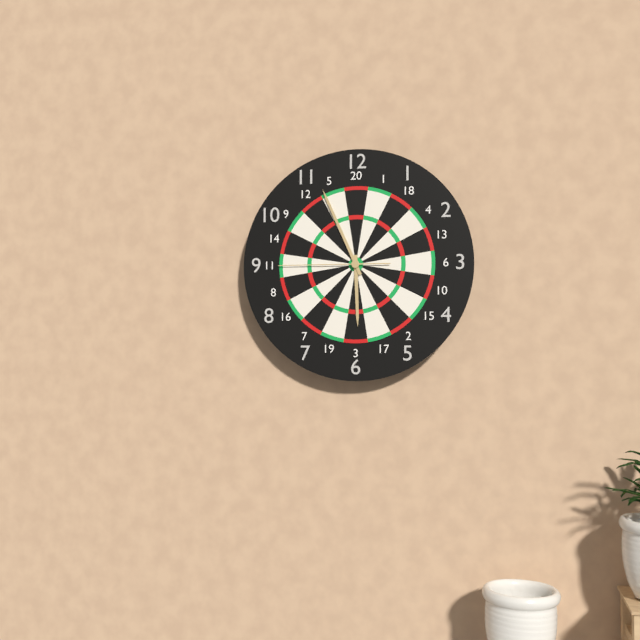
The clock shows 5.56.45
